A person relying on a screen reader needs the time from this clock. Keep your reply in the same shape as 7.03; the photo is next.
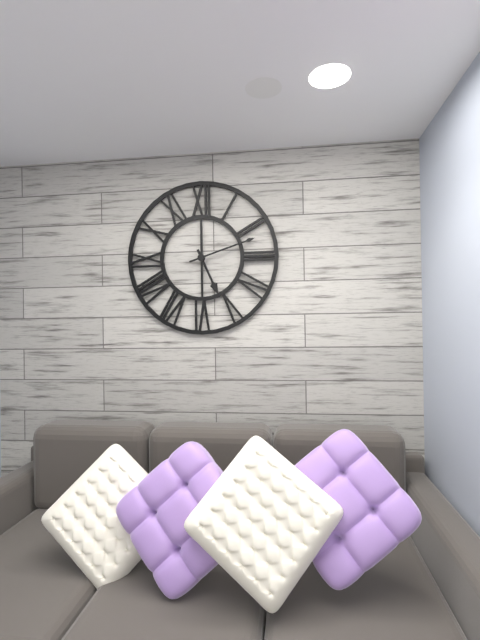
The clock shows 5.12
